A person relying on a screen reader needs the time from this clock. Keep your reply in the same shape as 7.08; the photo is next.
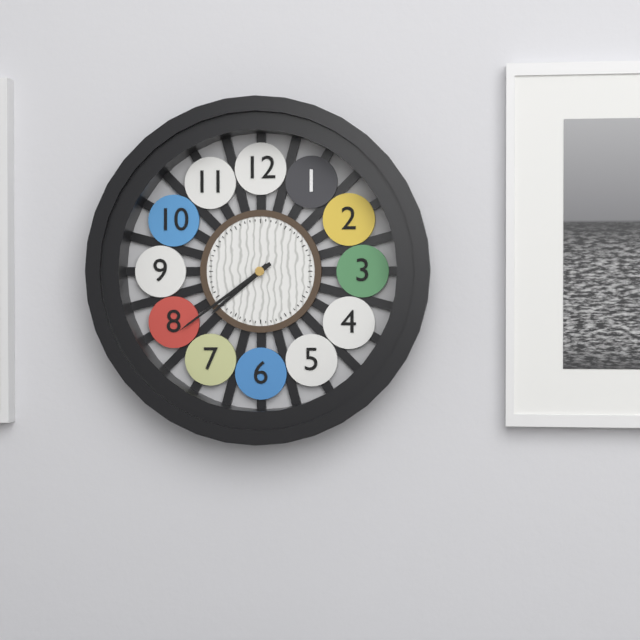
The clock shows 7.39
